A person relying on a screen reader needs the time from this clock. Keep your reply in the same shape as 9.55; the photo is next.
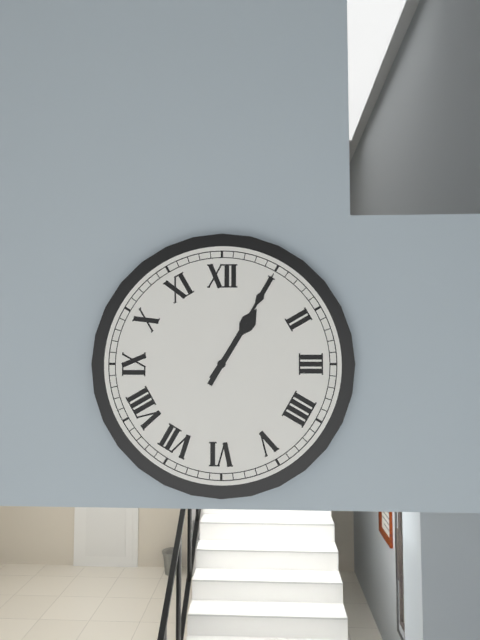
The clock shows 1.05
